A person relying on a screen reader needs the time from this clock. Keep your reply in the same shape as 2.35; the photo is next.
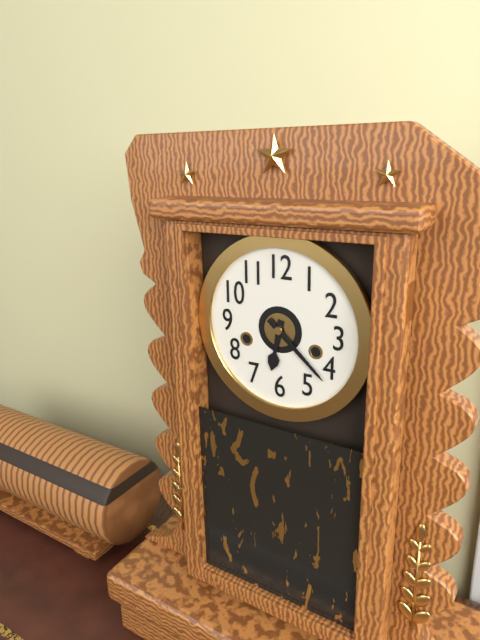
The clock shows 6.22
